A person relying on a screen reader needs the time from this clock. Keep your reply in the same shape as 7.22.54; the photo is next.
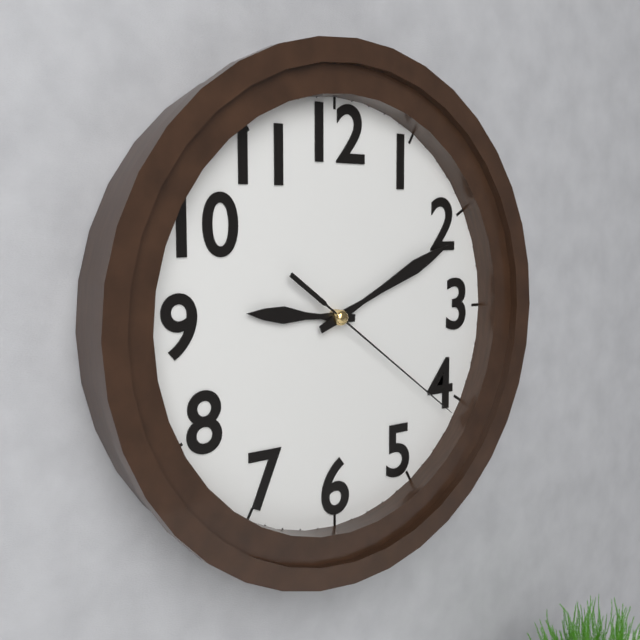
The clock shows 9.11.21
